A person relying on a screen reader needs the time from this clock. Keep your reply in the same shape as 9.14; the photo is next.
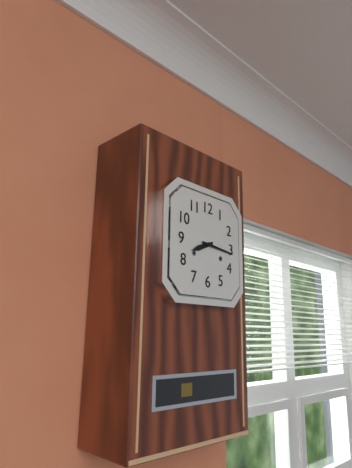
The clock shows 8.16
